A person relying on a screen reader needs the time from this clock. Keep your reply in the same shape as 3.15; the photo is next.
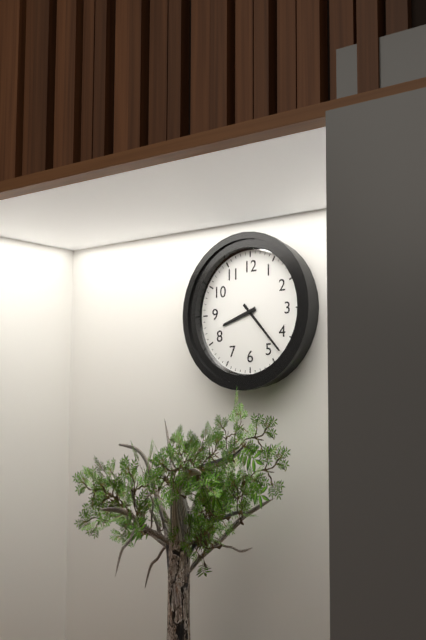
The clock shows 8.23
